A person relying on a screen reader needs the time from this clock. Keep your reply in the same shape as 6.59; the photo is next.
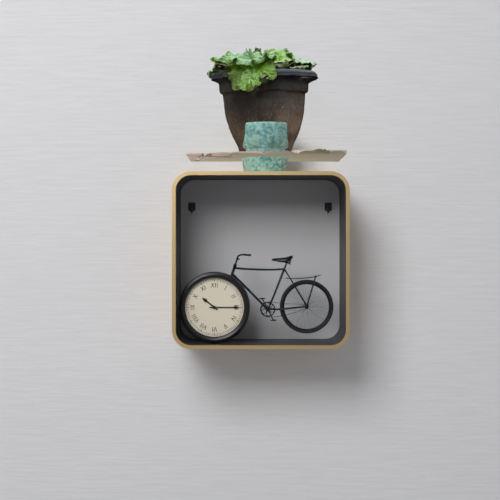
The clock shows 10.15
